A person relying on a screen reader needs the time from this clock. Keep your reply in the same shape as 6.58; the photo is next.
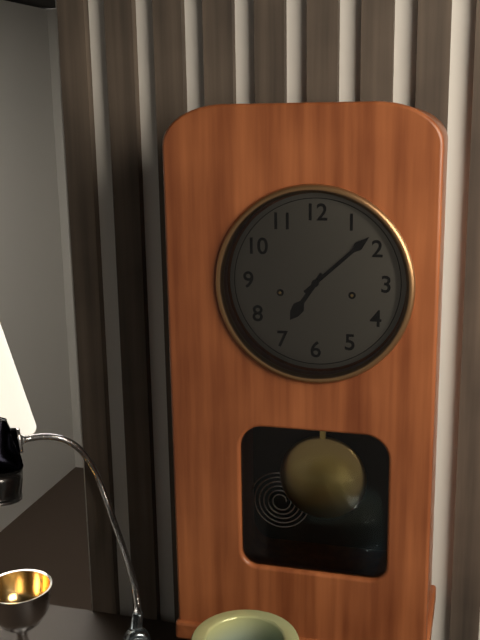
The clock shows 7.08
